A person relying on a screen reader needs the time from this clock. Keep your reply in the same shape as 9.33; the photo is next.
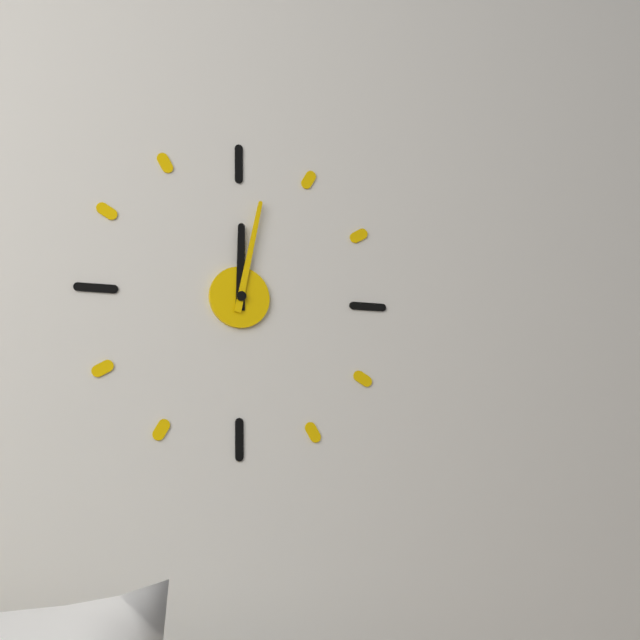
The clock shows 12.02
